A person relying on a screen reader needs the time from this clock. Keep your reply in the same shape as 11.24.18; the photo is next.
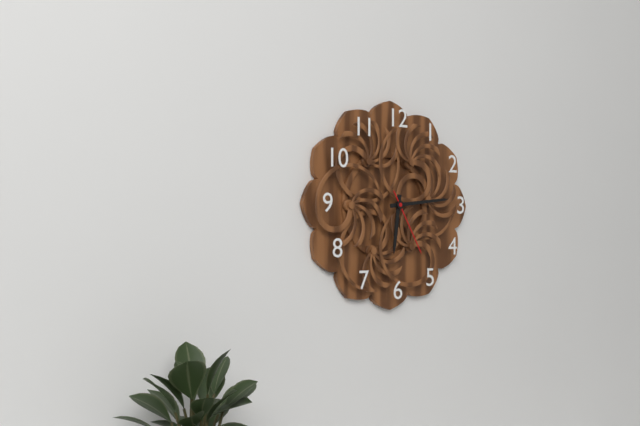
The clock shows 6.14.25
